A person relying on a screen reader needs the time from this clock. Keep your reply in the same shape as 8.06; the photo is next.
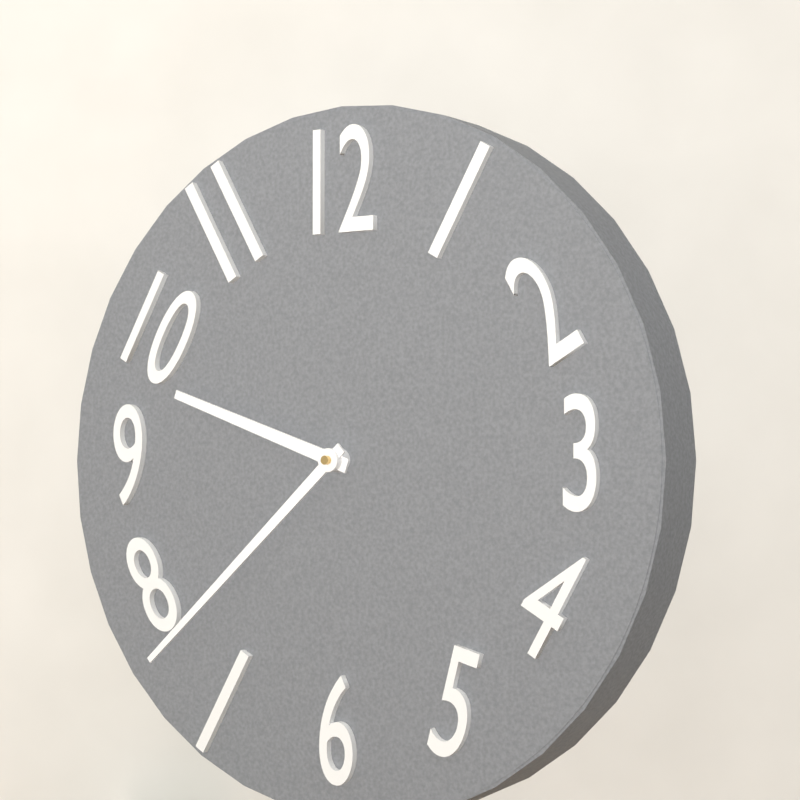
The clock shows 9.38
